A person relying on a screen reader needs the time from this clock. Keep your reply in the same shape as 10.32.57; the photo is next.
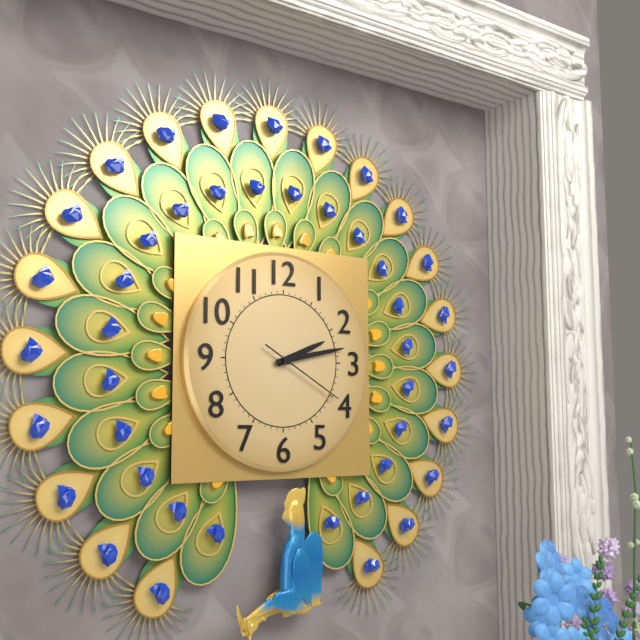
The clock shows 2.13.20
